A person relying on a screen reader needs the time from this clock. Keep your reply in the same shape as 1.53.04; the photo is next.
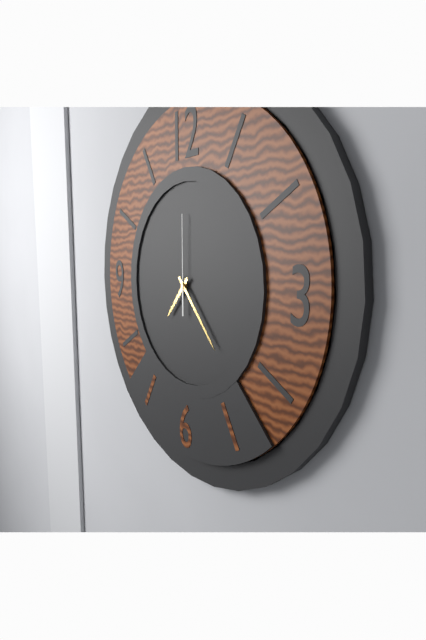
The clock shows 7.23.00
